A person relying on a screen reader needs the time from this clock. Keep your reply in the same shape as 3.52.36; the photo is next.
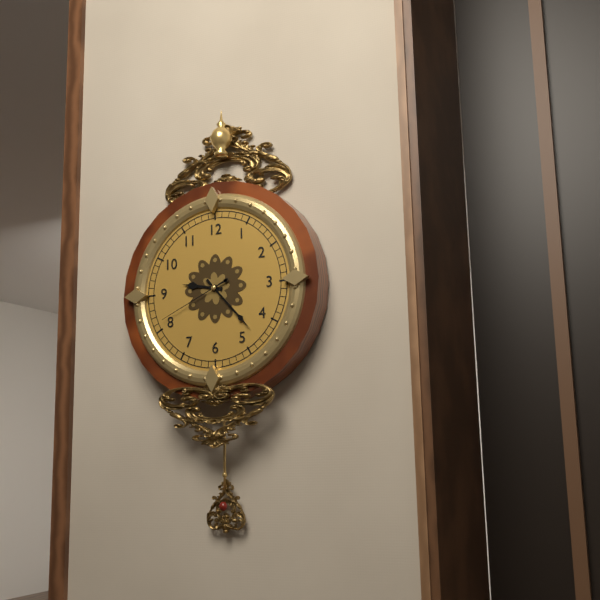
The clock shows 9.23.41
